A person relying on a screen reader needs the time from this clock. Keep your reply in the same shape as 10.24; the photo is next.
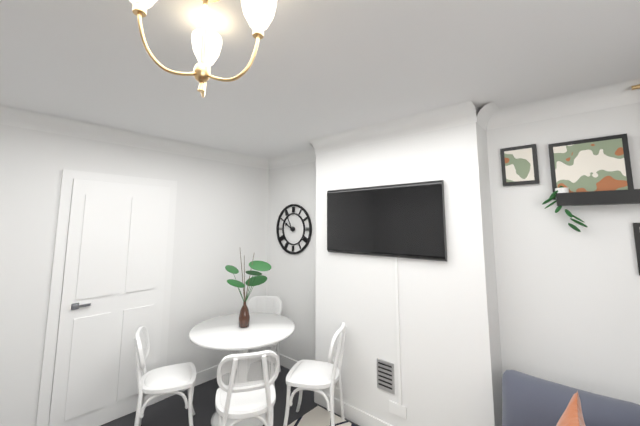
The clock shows 9.55
